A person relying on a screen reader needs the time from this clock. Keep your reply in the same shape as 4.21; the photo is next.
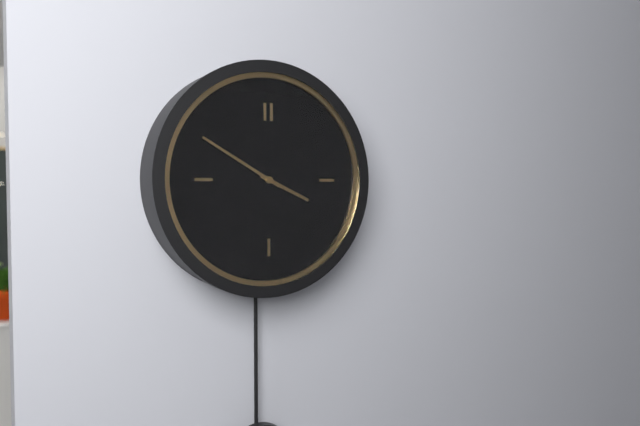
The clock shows 3.50
